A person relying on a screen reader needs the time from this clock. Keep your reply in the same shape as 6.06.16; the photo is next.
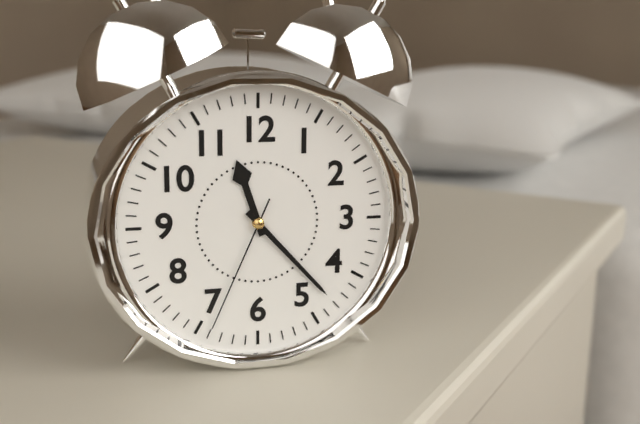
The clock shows 11.23.34
